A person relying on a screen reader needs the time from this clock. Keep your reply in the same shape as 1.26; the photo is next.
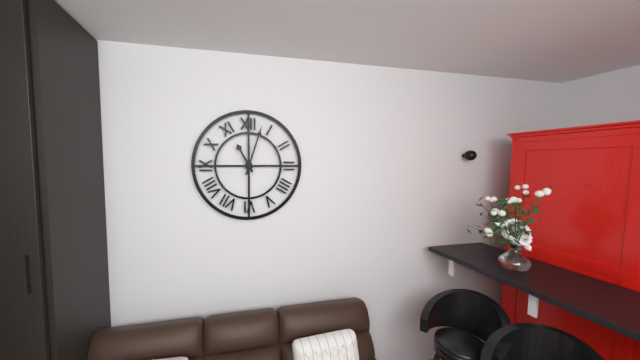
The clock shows 11.03
